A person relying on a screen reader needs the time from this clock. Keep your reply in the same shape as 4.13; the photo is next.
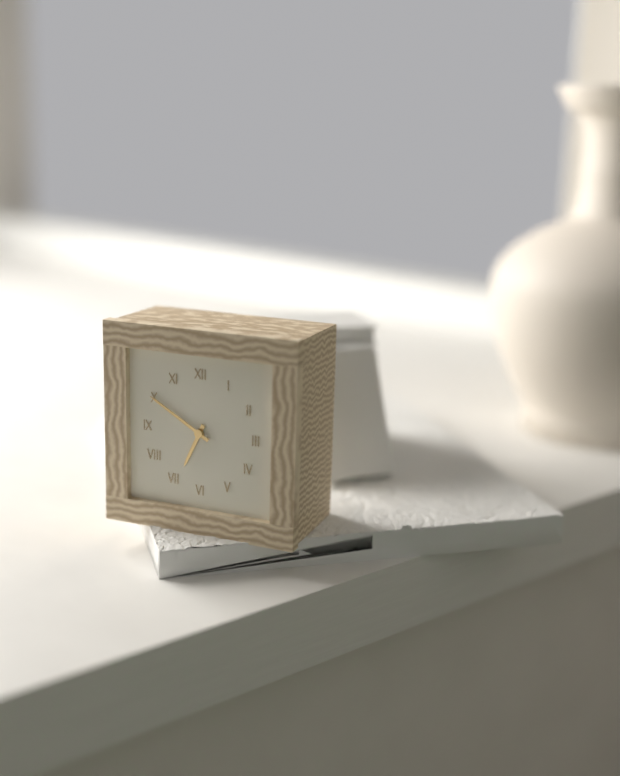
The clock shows 6.50
